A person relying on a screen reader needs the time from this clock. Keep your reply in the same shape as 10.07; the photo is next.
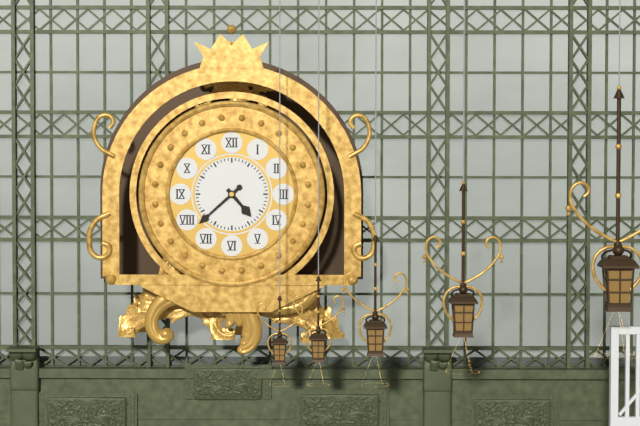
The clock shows 4.38
